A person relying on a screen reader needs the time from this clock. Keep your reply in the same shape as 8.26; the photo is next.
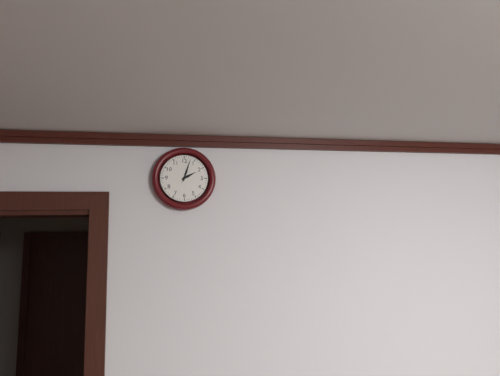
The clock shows 2.03
